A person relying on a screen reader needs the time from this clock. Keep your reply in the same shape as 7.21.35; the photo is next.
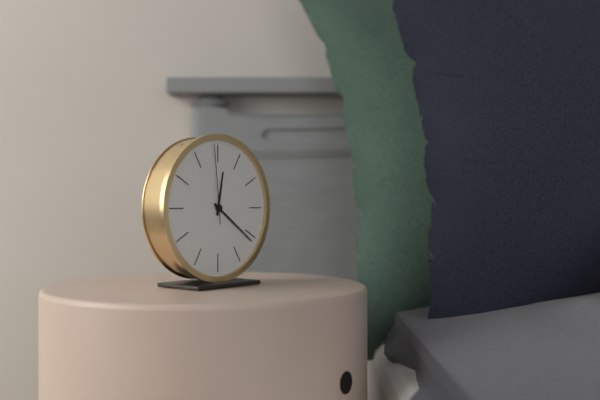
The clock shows 12.21.59
